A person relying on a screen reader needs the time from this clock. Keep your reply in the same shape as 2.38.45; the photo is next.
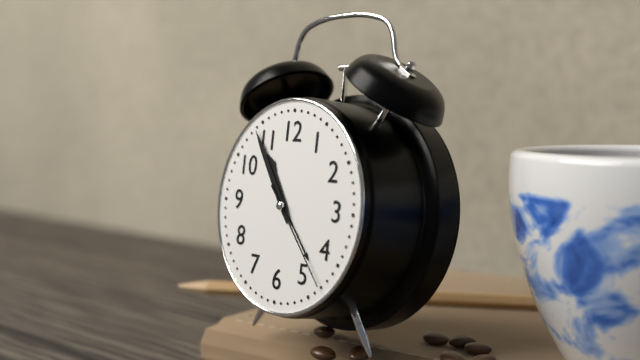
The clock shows 10.54.23
